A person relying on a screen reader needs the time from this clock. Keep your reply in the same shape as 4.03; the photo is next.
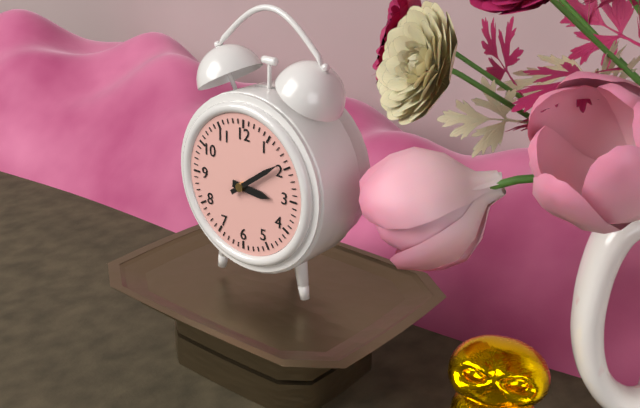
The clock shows 3.09
